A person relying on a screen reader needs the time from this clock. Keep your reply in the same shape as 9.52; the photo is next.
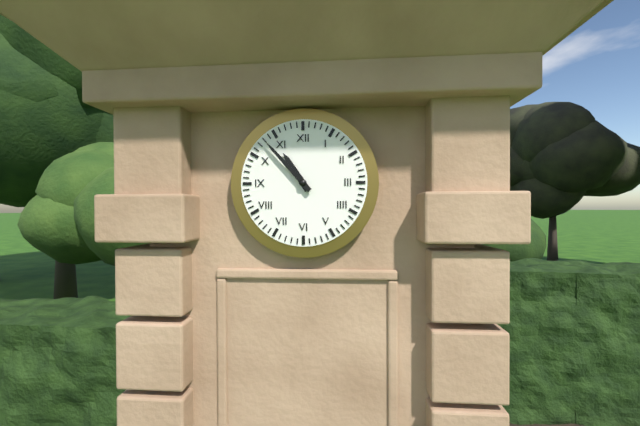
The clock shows 10.53
